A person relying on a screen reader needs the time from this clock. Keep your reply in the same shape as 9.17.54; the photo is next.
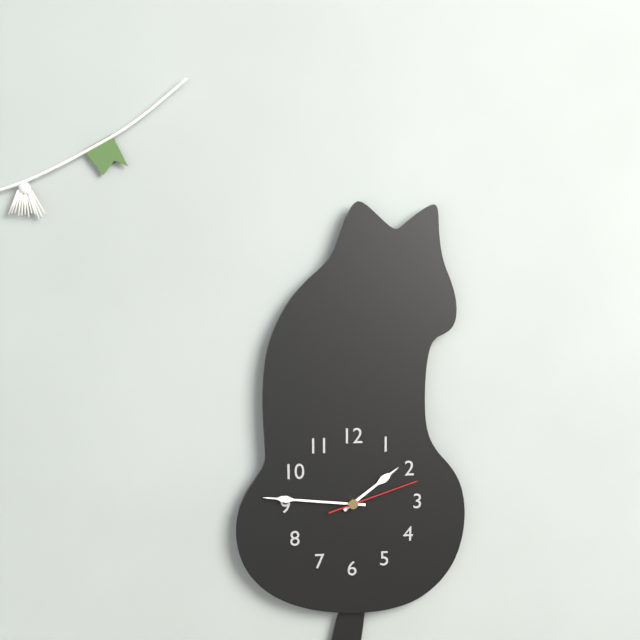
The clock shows 1.46.12
